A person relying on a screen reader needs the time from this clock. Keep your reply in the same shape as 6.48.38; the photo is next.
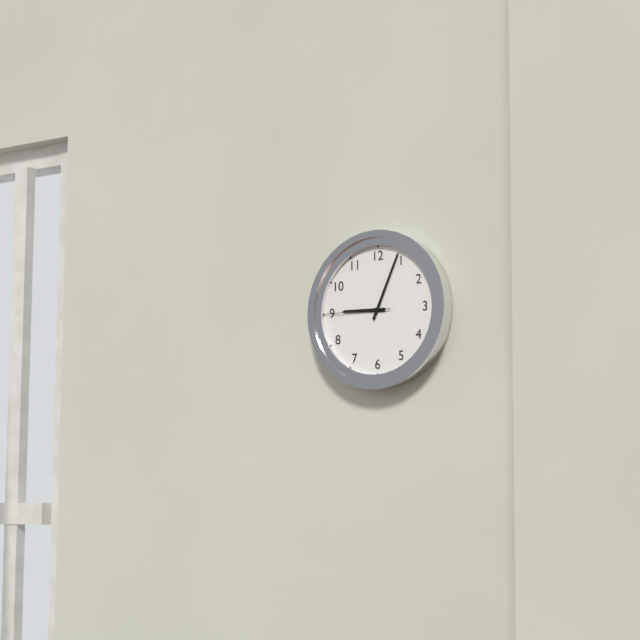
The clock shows 9.04.45
